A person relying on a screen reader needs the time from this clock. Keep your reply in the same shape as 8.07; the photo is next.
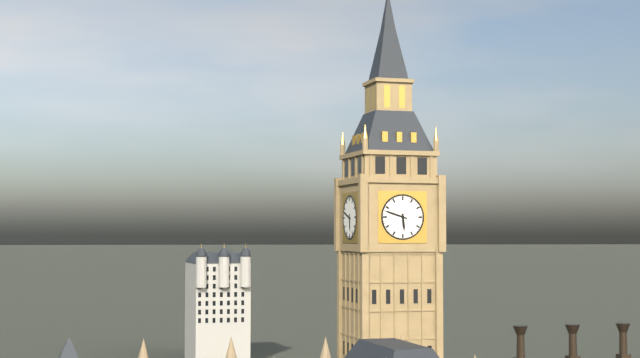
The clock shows 5.48
